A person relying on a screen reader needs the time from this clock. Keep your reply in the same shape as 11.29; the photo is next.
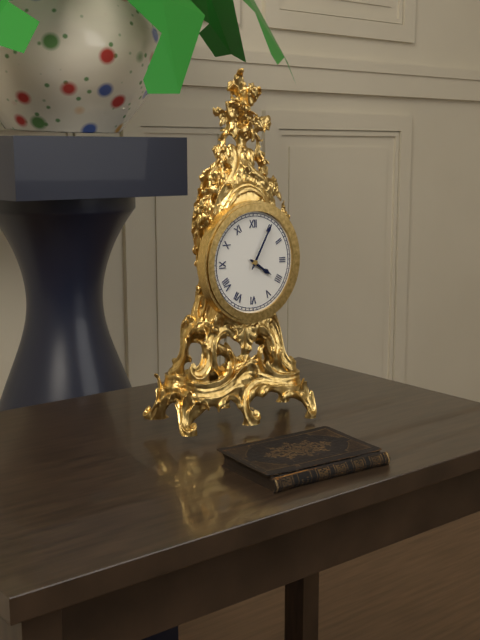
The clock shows 4.05
